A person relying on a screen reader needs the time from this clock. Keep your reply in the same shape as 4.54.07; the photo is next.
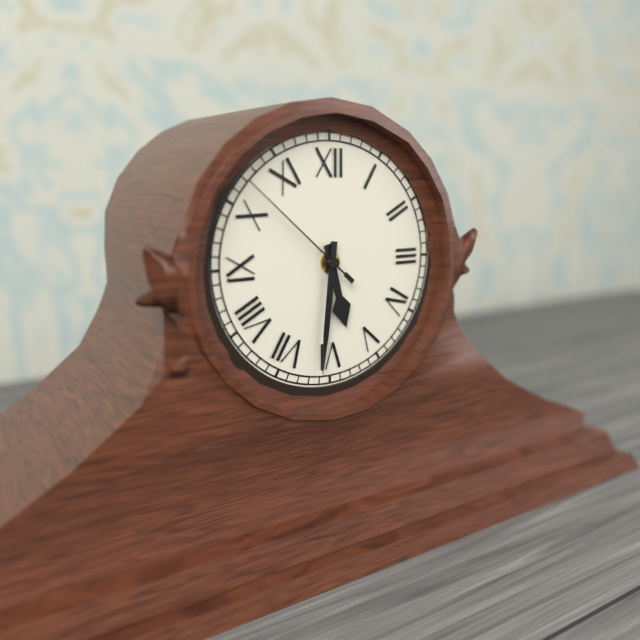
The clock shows 5.31.52
